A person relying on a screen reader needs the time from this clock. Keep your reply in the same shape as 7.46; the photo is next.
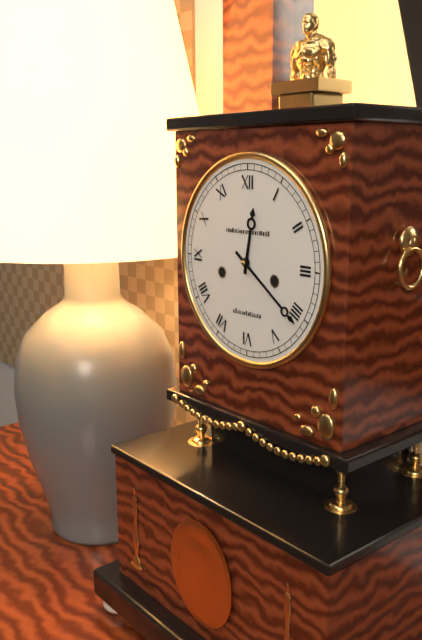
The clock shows 12.21
